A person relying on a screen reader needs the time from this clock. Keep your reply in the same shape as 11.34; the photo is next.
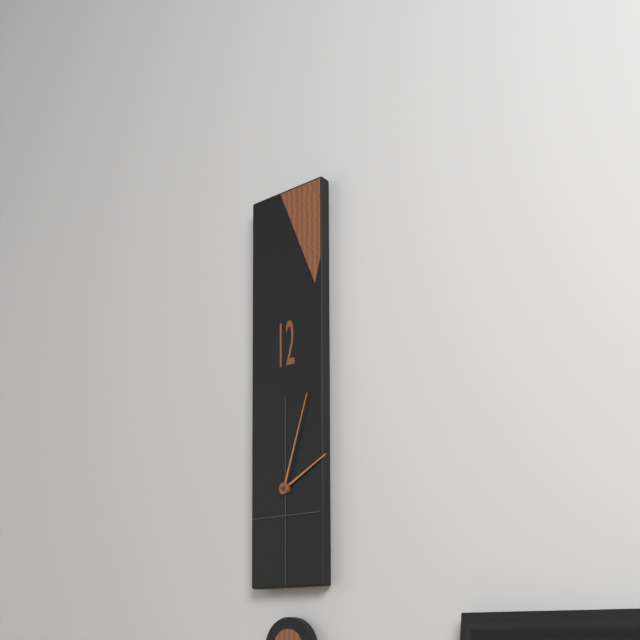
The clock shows 2.03
